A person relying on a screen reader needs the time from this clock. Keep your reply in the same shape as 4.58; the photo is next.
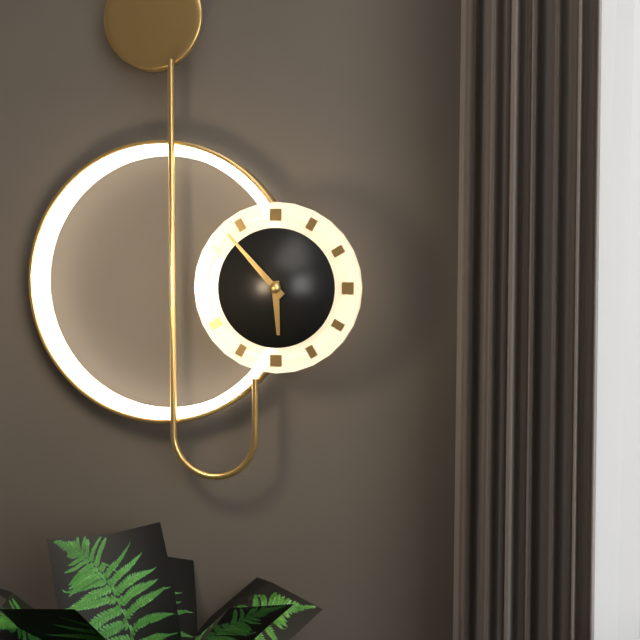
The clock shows 5.53
